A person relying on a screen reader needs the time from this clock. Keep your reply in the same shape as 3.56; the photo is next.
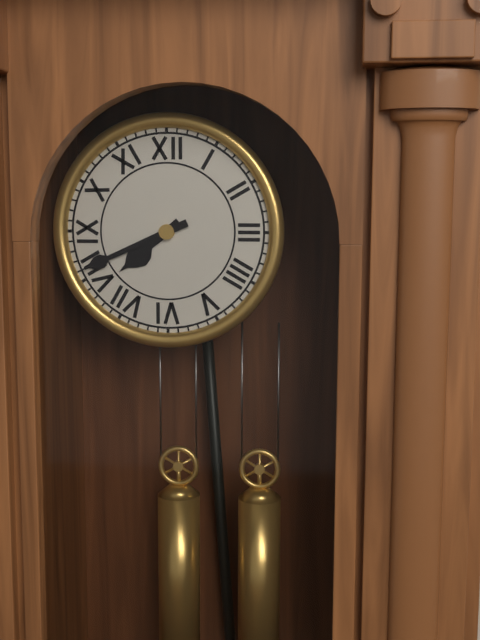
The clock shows 7.41
